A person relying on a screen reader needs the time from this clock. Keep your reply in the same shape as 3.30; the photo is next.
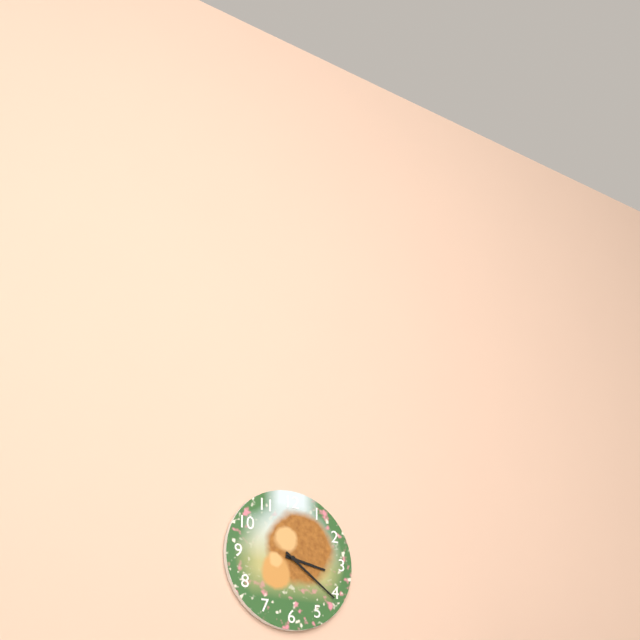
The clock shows 3.21
